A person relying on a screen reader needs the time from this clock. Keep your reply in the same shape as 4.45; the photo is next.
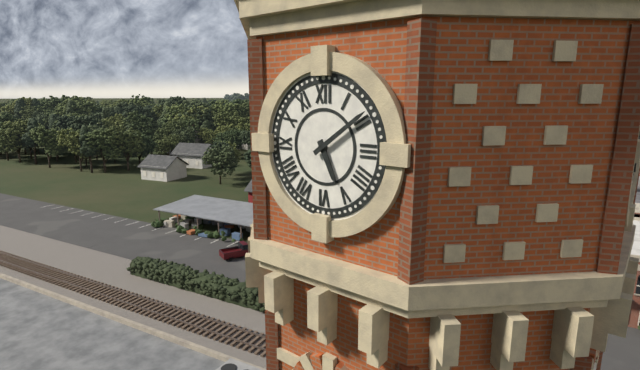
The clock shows 5.09
